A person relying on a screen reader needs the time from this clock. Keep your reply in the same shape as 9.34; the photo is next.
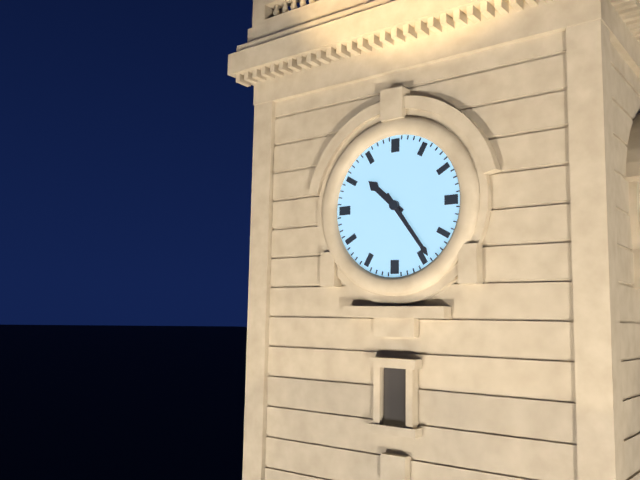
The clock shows 10.24
